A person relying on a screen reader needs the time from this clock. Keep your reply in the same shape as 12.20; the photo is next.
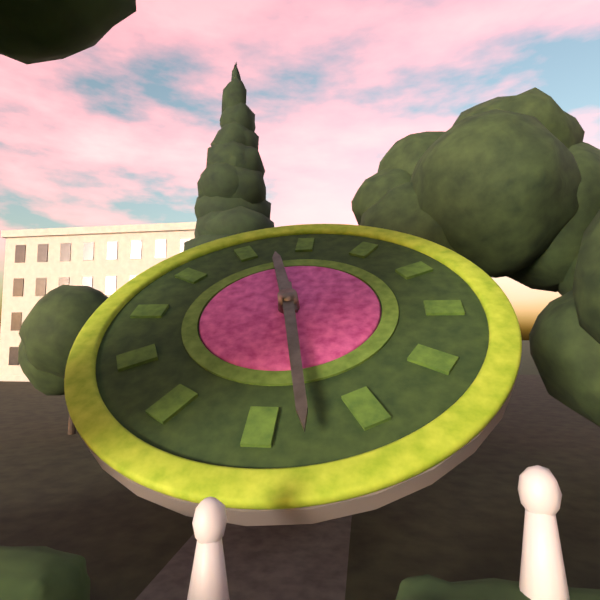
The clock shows 11.28
